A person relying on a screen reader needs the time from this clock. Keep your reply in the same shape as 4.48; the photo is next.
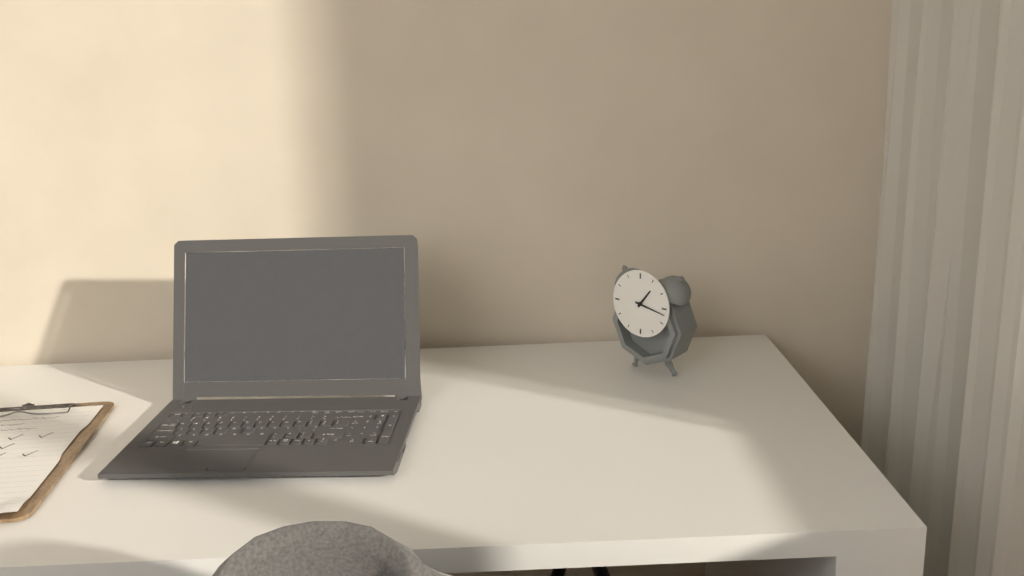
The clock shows 1.17
